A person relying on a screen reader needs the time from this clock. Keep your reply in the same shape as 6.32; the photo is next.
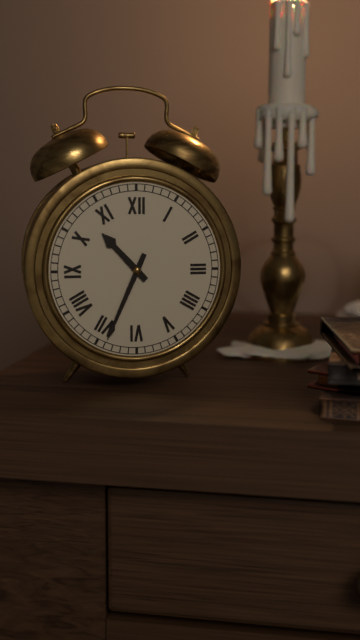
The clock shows 10.34
